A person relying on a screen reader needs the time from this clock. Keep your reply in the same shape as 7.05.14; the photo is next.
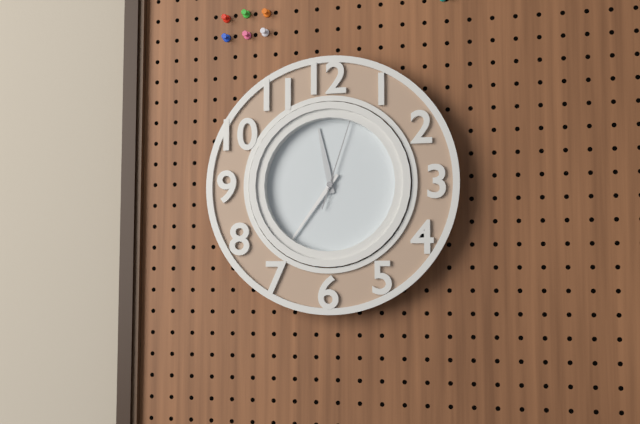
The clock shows 11.36.03
